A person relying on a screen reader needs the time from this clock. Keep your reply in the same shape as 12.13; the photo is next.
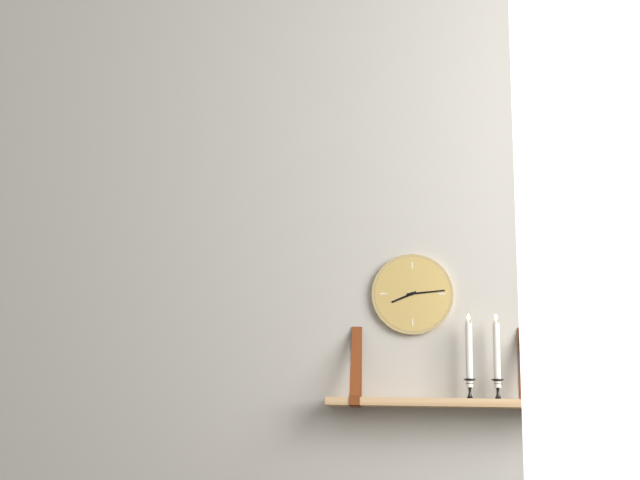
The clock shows 8.14
